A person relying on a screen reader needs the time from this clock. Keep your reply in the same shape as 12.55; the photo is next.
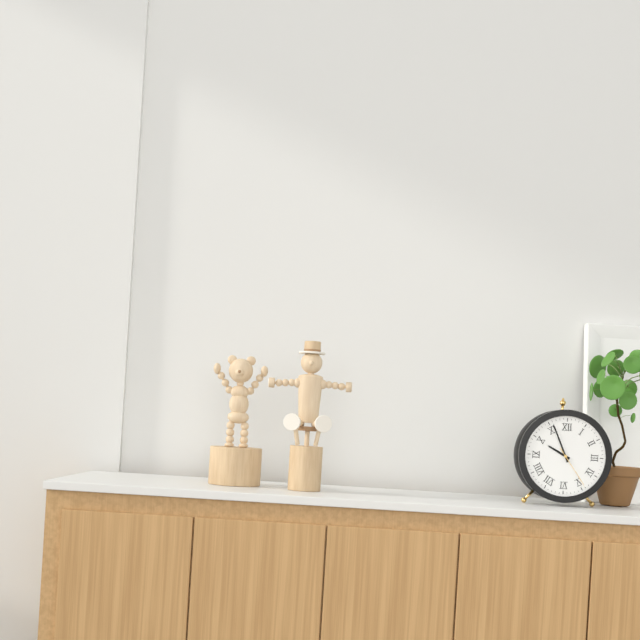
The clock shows 9.56
